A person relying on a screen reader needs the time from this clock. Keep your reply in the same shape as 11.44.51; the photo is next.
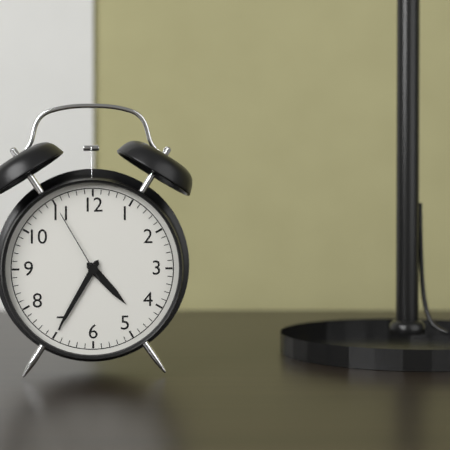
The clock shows 4.35.55
